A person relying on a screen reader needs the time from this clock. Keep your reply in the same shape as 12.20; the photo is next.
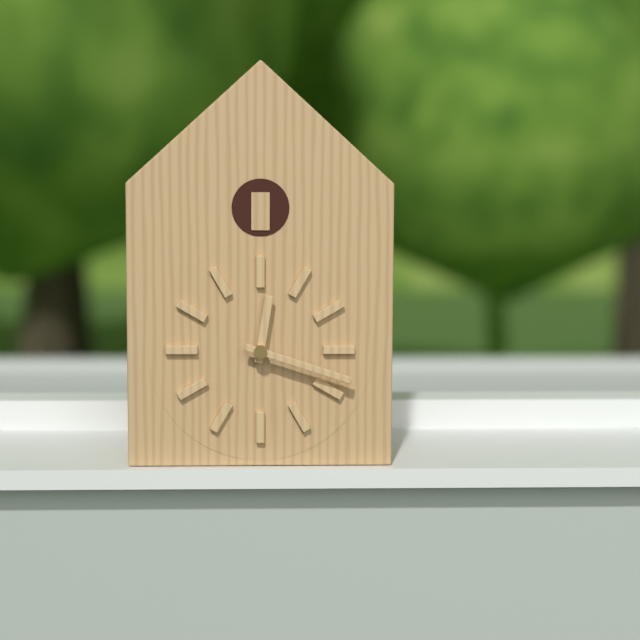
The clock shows 12.18
